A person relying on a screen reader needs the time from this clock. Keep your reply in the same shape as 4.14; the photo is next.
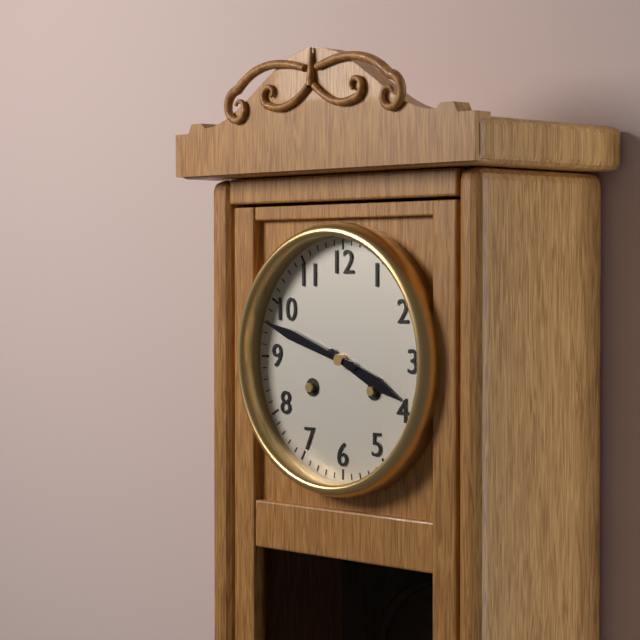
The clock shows 3.48
